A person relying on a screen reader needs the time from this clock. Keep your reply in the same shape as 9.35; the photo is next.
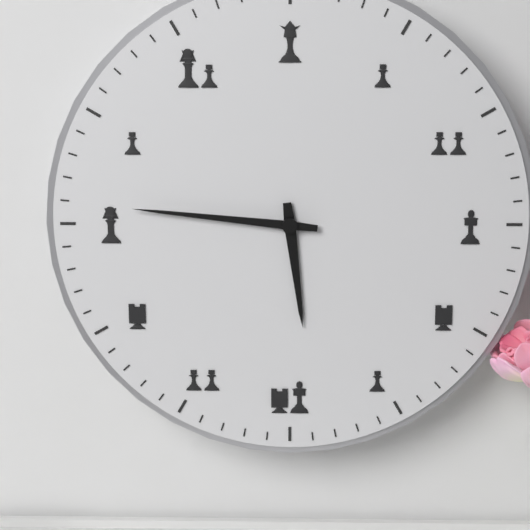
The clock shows 5.46
